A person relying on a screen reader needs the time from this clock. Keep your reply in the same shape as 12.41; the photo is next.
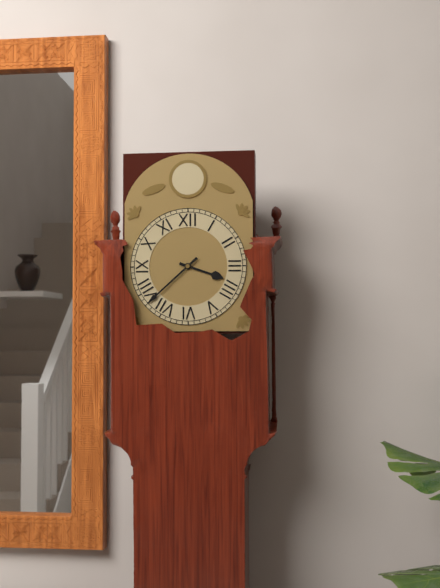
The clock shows 3.38
